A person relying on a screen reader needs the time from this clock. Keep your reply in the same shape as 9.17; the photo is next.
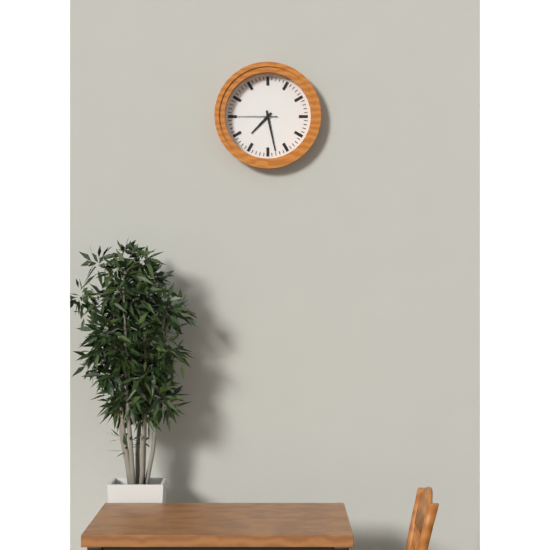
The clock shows 7.28
